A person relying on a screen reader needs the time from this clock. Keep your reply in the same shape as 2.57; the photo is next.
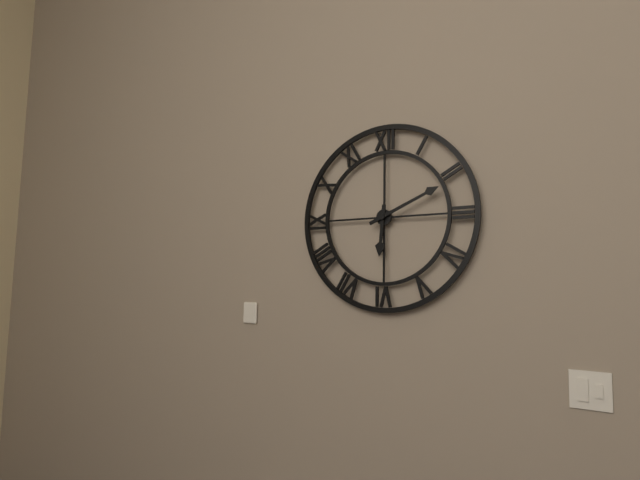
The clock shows 6.11
